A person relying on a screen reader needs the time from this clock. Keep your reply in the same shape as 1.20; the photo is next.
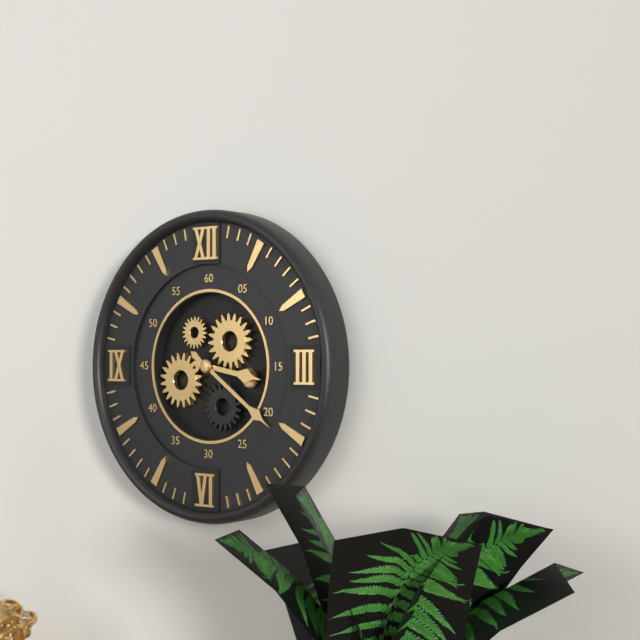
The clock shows 3.21
